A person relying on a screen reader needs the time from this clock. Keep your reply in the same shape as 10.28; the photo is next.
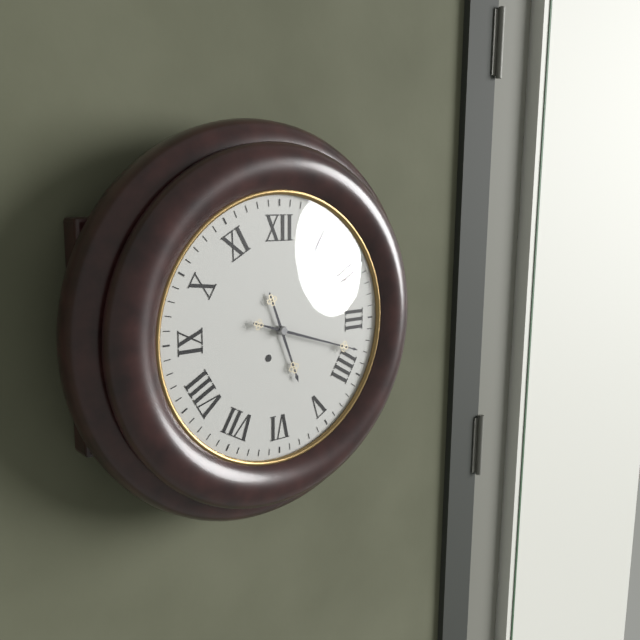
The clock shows 5.18
